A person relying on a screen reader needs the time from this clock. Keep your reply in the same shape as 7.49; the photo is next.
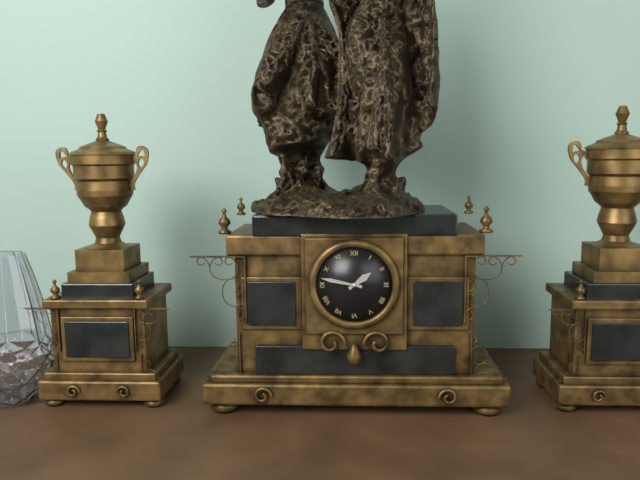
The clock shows 1.47
